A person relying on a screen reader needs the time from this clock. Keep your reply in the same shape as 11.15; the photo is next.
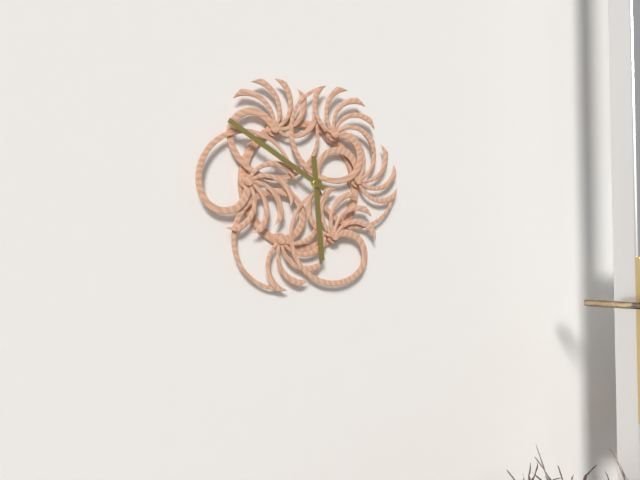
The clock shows 5.50
